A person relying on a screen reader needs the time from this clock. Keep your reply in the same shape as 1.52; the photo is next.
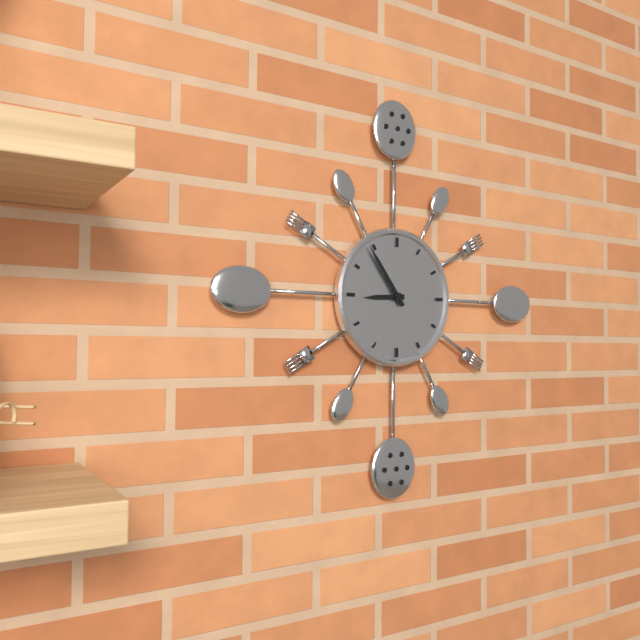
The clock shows 8.54
